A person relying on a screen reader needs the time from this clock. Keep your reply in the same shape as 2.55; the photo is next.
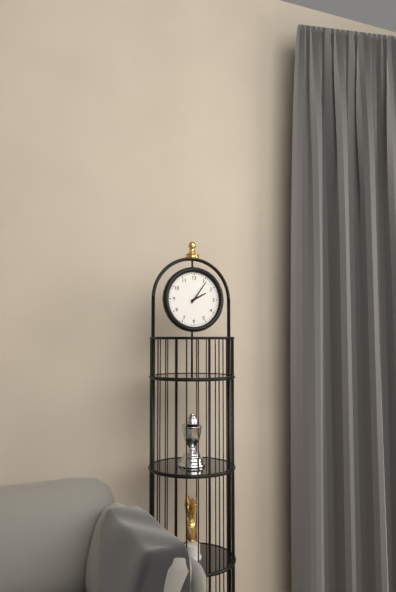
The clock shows 2.06
